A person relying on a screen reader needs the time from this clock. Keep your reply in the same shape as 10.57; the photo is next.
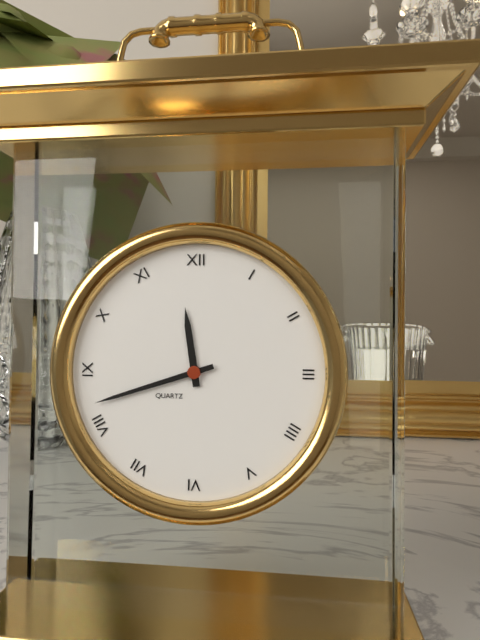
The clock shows 11.42
